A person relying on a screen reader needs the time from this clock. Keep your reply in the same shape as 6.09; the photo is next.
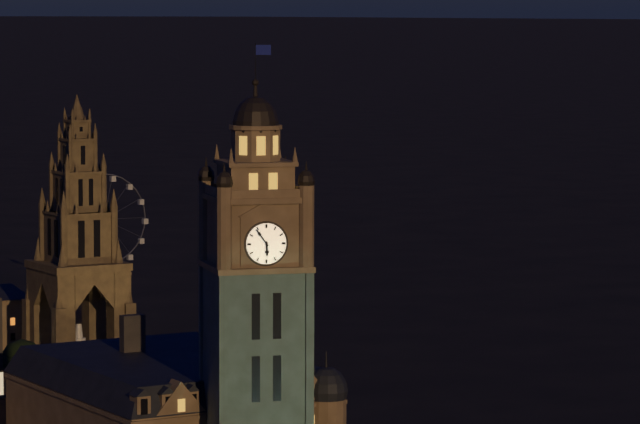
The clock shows 5.54
